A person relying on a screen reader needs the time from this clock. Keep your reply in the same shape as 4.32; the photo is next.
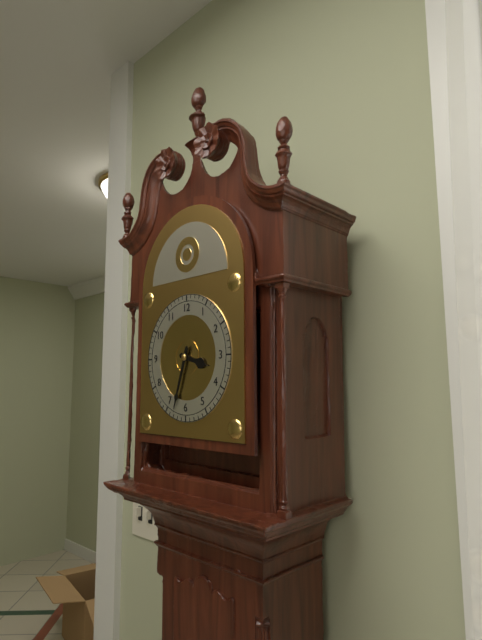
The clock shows 3.33
